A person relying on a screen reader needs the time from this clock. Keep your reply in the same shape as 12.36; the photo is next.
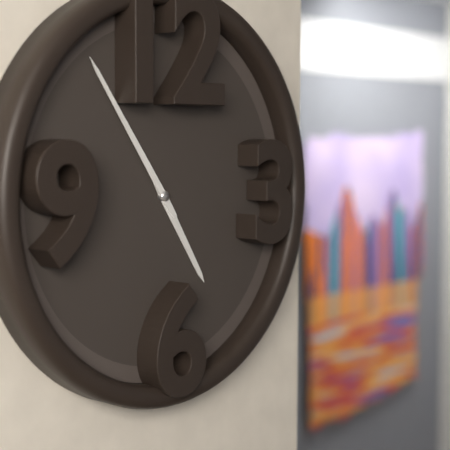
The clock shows 4.54
